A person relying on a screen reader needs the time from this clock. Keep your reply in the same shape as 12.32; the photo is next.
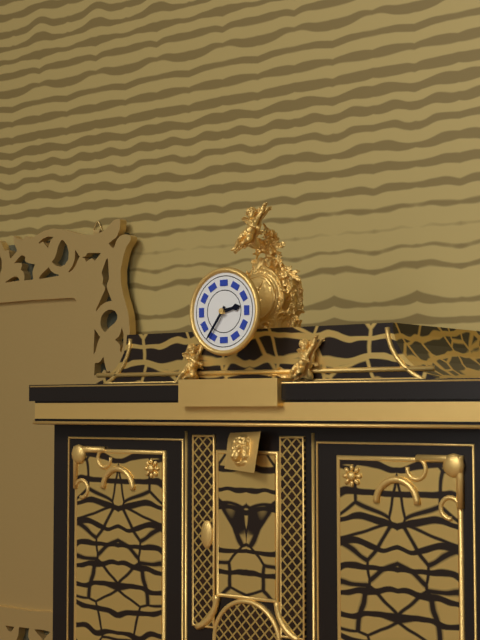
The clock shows 2.36
